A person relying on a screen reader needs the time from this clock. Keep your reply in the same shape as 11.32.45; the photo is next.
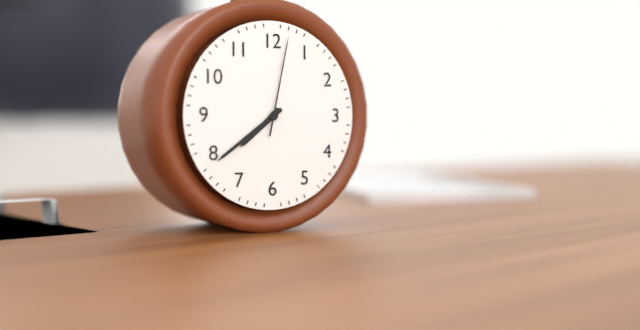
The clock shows 7.39.02
